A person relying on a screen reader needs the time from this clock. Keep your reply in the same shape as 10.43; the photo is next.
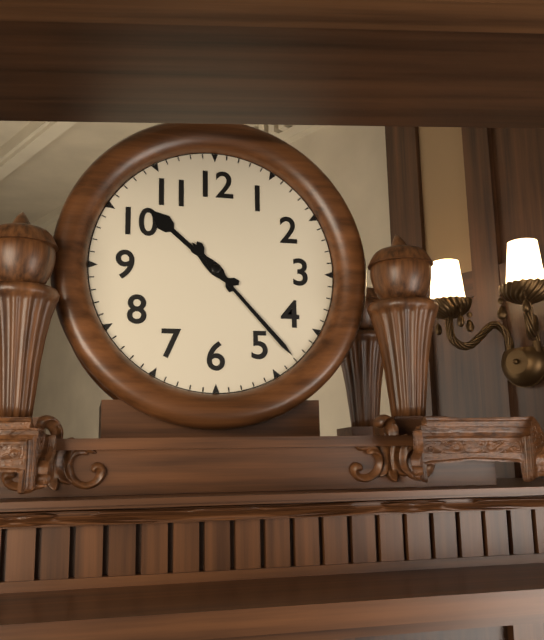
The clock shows 10.23
